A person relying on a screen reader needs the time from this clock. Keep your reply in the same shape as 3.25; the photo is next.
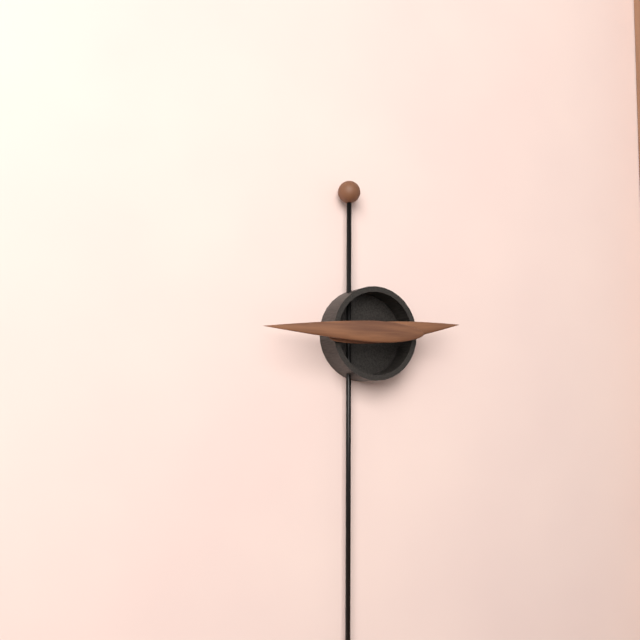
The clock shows 2.45
